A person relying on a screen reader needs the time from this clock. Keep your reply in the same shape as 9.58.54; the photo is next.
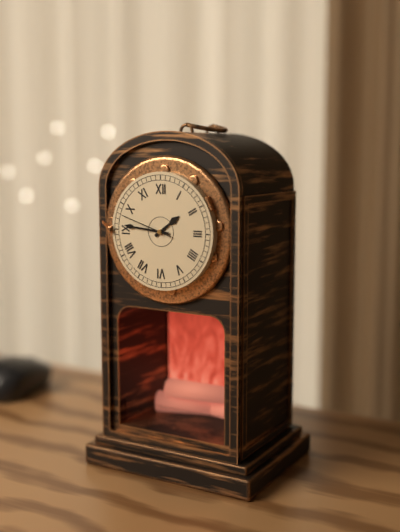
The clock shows 1.46.48
